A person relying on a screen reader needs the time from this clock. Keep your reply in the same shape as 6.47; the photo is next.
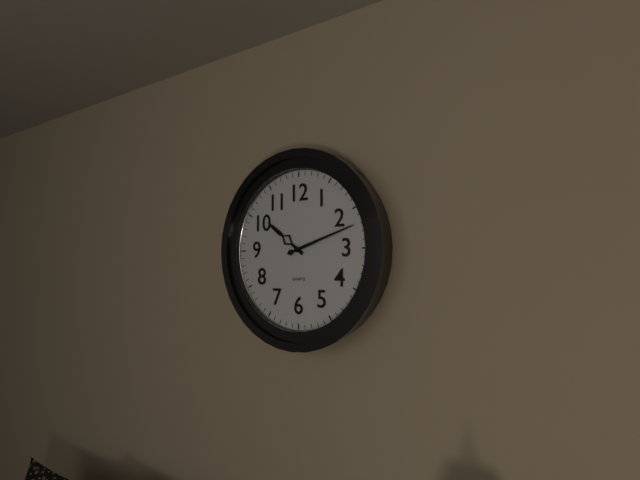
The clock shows 10.12
